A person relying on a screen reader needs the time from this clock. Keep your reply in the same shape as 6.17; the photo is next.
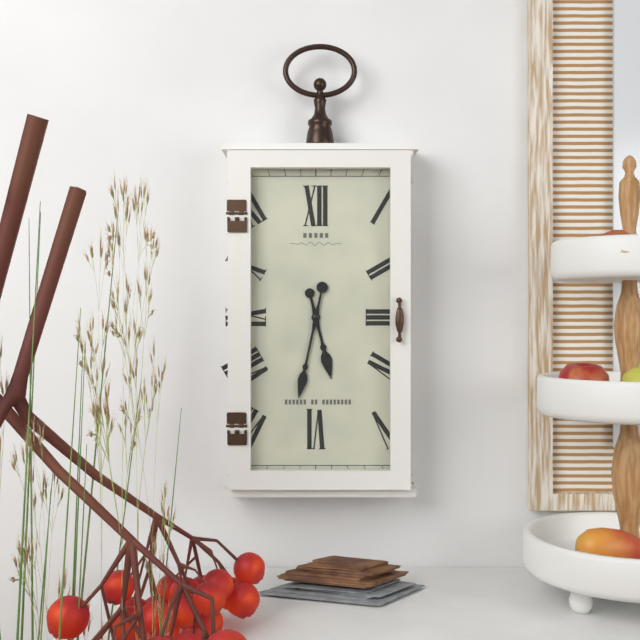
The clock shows 5.32
